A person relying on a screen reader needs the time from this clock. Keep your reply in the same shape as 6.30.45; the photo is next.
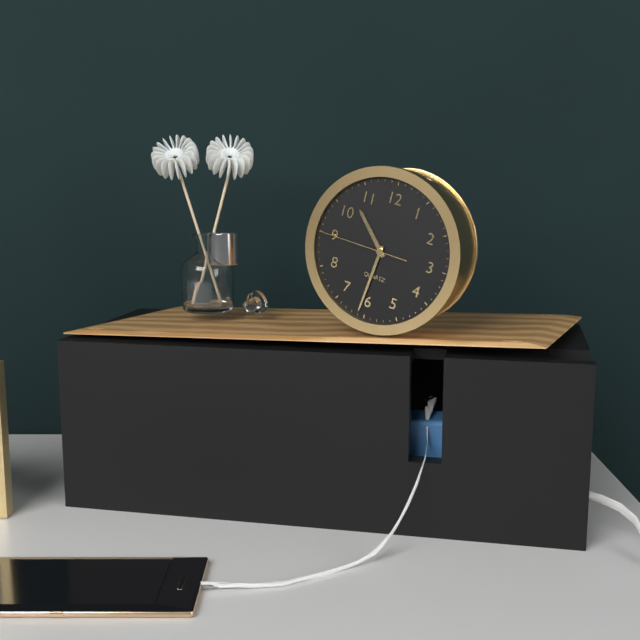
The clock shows 10.31.45
